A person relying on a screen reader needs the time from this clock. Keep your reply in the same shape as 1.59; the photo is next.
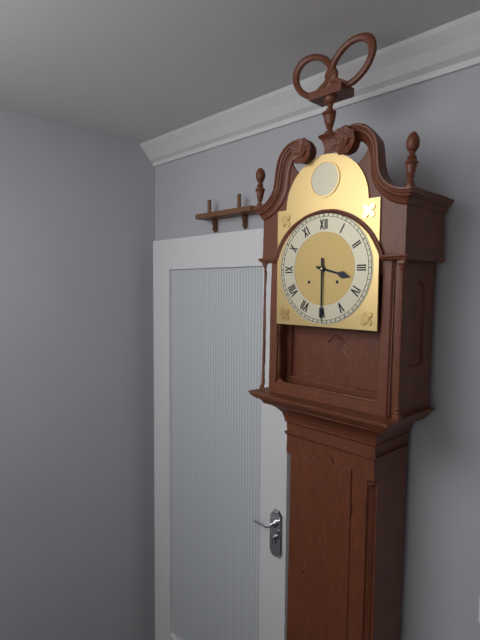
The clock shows 3.30
